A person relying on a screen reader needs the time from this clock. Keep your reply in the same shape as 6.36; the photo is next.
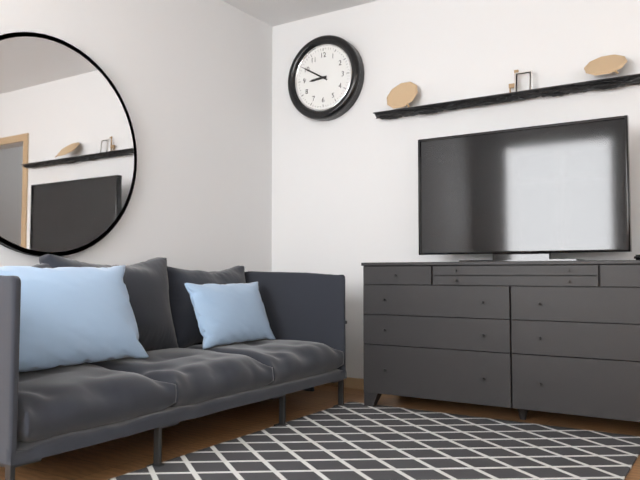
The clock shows 8.50
